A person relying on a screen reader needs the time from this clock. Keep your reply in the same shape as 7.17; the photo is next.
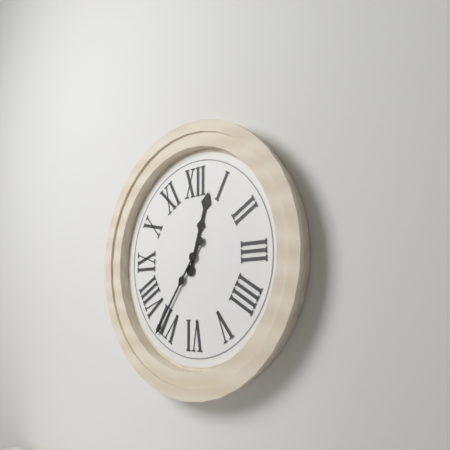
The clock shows 12.36
